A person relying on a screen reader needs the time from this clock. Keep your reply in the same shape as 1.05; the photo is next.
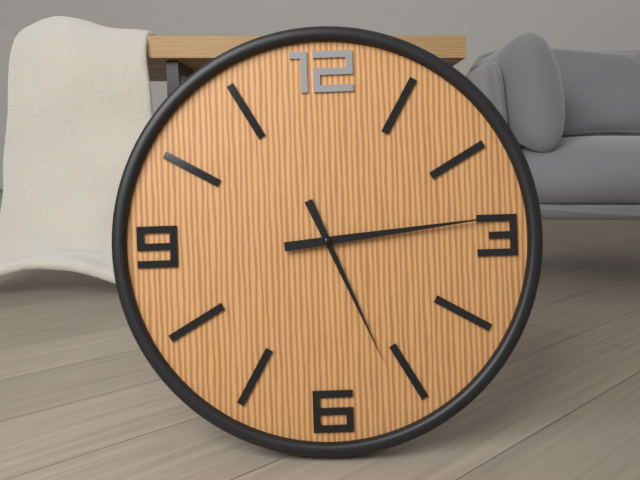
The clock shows 5.14
